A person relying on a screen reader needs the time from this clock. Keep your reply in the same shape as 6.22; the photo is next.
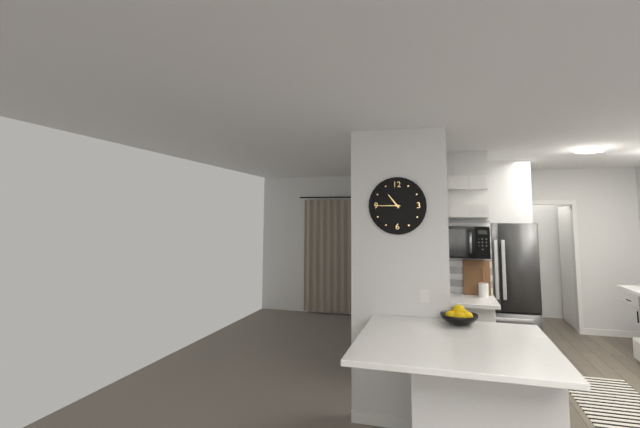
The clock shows 10.45
